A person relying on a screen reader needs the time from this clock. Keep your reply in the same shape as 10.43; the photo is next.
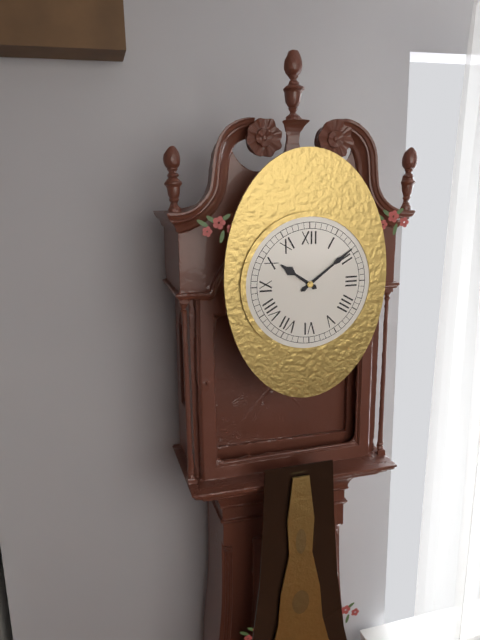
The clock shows 10.09
